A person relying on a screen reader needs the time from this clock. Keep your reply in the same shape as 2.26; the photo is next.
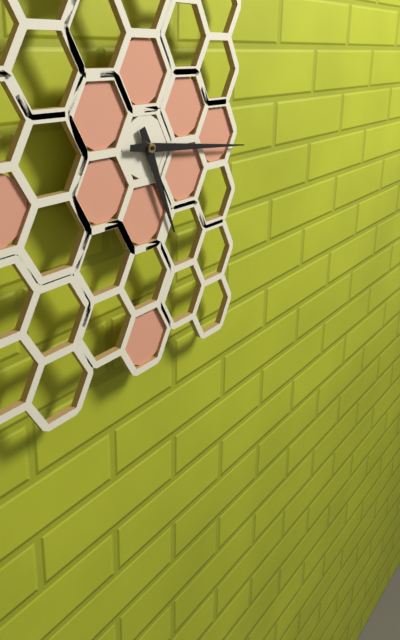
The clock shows 5.16
